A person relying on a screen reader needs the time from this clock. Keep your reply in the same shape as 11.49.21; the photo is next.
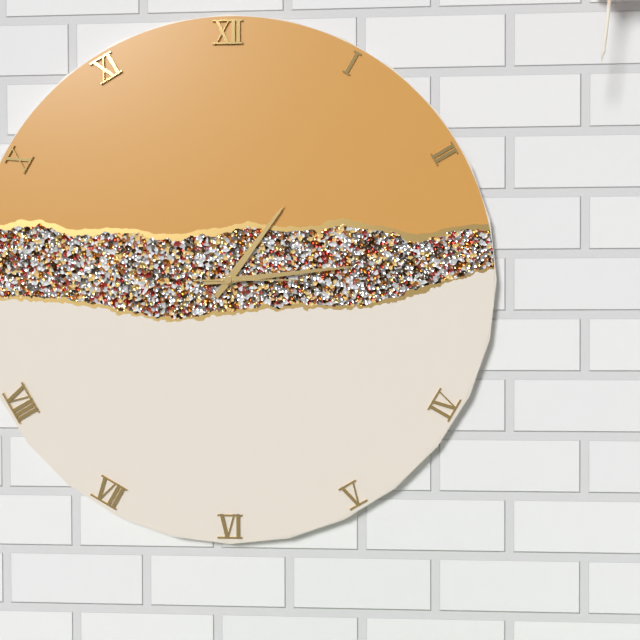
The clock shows 1.14.15
